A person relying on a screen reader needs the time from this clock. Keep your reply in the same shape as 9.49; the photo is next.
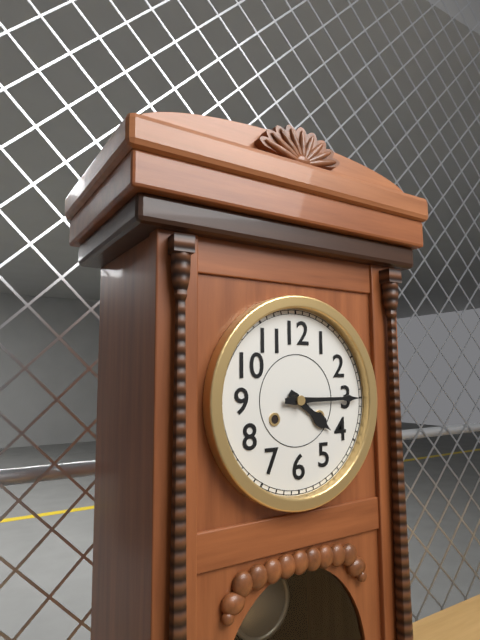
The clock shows 4.15
